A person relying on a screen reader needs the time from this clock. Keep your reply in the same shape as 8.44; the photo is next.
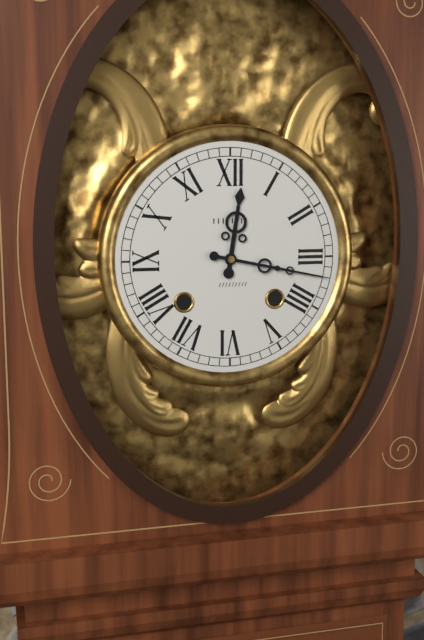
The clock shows 12.17
